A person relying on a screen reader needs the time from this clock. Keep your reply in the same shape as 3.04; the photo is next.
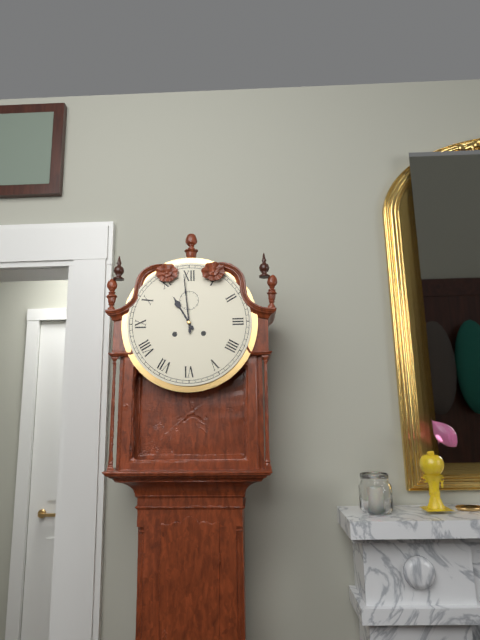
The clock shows 10.59
